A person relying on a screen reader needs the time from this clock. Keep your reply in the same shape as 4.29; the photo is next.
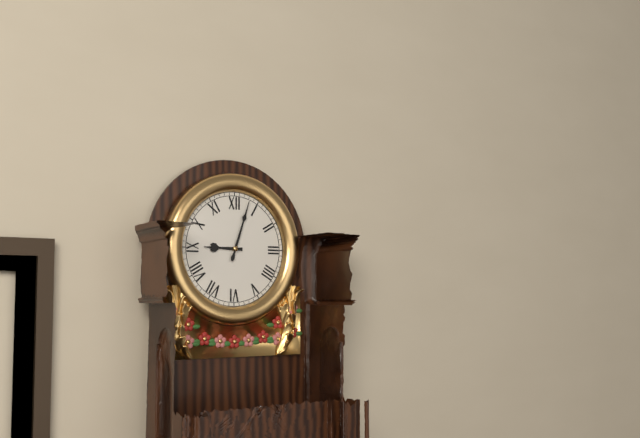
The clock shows 9.03
